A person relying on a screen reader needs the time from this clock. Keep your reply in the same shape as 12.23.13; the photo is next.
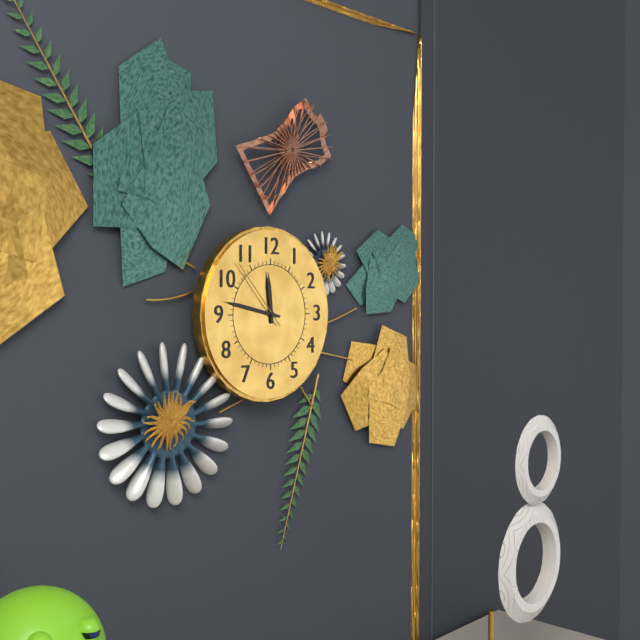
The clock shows 11.47.53
